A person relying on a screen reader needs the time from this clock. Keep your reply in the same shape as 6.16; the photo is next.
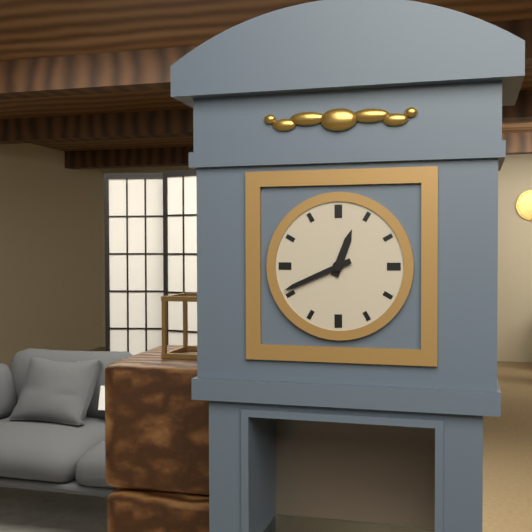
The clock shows 12.41
